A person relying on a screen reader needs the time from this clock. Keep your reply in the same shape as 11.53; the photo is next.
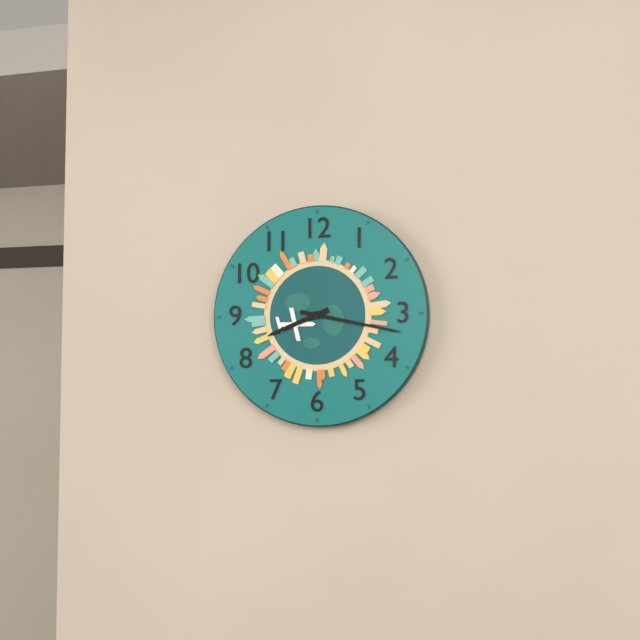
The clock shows 8.17
